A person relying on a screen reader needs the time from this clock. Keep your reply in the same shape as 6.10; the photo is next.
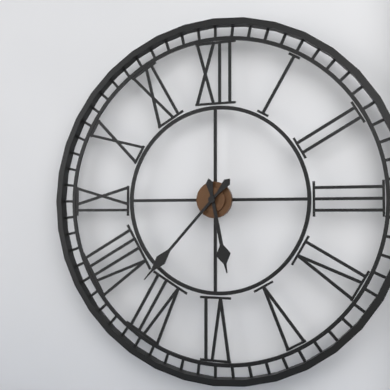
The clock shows 5.37
